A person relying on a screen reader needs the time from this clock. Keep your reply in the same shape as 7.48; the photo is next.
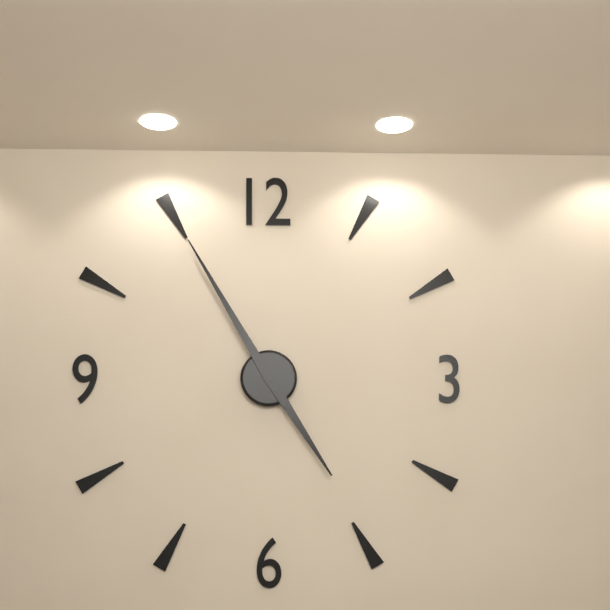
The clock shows 4.55
